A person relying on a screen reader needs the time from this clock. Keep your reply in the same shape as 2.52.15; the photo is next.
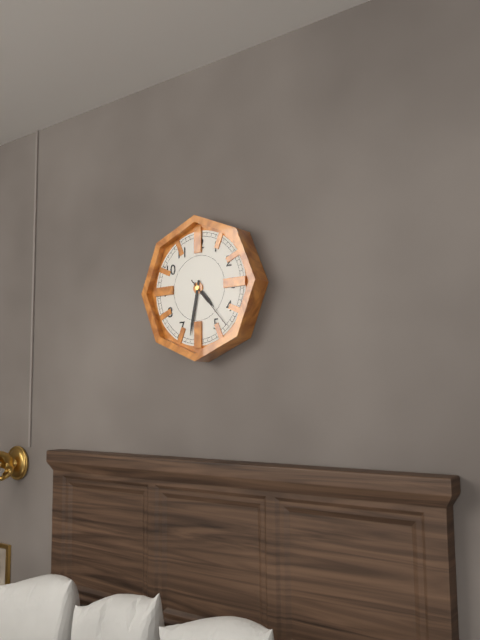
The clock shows 4.32.23
